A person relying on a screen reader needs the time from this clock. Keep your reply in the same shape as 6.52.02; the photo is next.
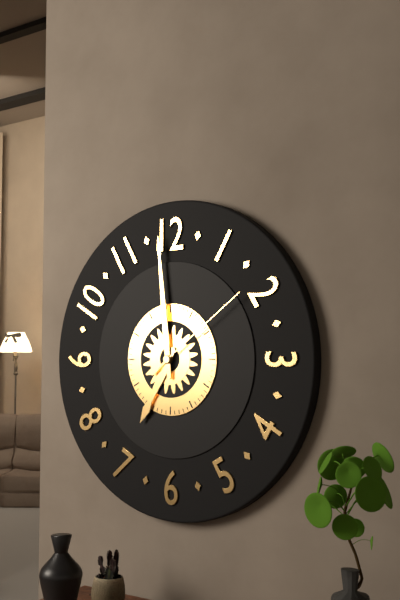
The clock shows 6.59.09
